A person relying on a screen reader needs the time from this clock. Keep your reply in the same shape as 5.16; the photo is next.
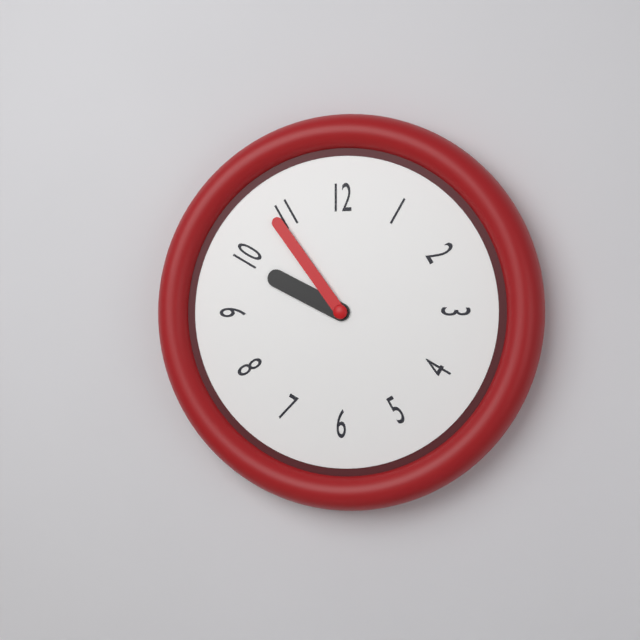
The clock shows 9.54
